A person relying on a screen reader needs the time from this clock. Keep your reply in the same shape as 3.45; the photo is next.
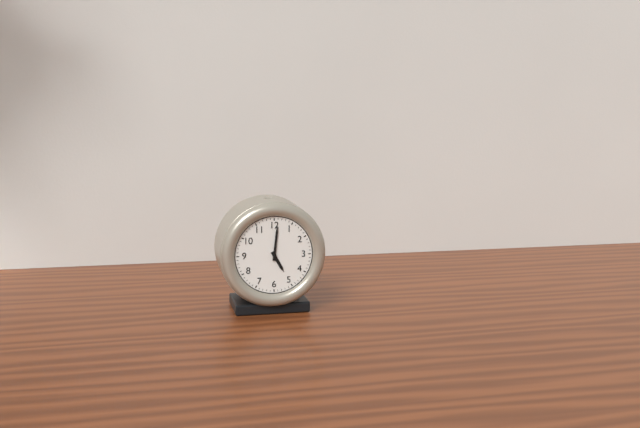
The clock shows 5.01
